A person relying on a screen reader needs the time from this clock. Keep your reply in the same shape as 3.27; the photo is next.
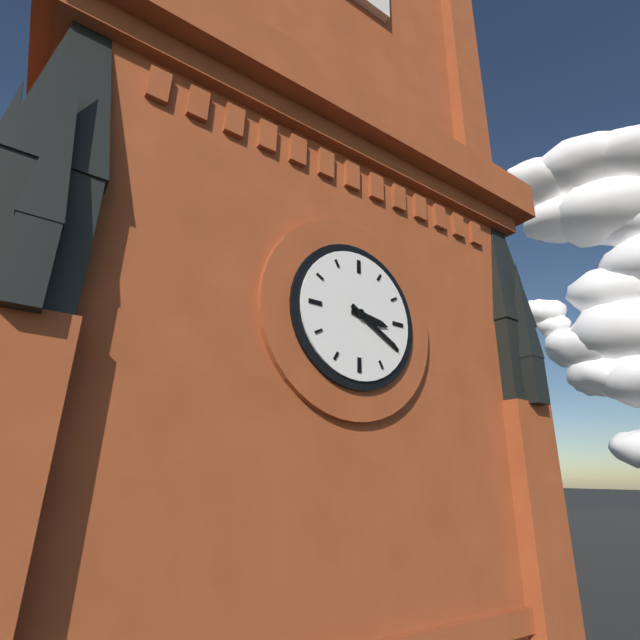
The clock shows 3.20
